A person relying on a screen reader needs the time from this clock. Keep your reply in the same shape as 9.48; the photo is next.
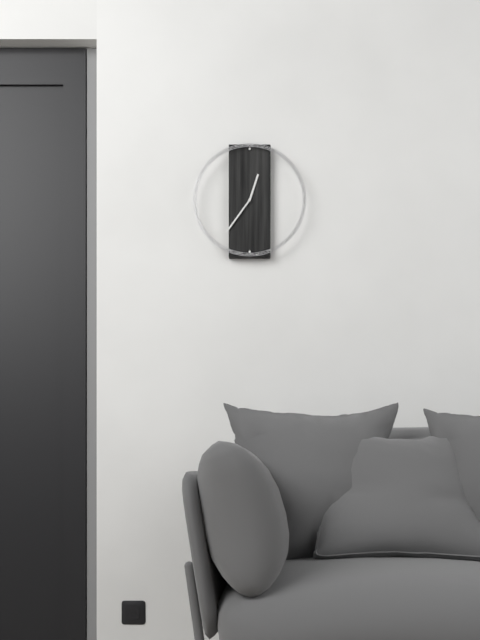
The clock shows 12.36
